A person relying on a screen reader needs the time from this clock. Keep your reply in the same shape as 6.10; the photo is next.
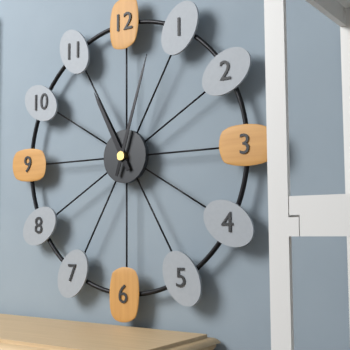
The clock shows 11.03
